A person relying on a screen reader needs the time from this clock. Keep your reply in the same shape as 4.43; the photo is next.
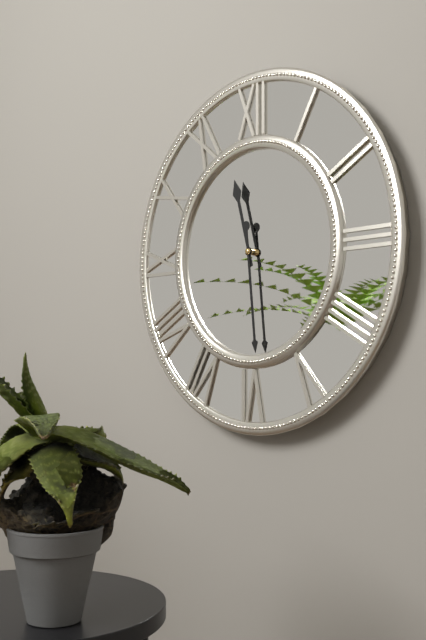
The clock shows 11.29
